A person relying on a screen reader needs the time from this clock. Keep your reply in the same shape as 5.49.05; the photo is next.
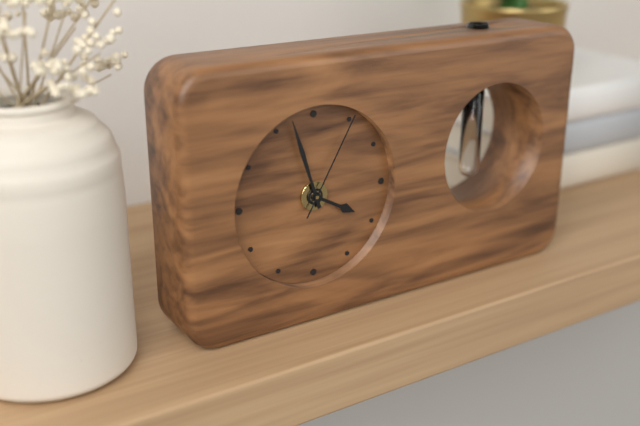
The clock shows 3.57.05
